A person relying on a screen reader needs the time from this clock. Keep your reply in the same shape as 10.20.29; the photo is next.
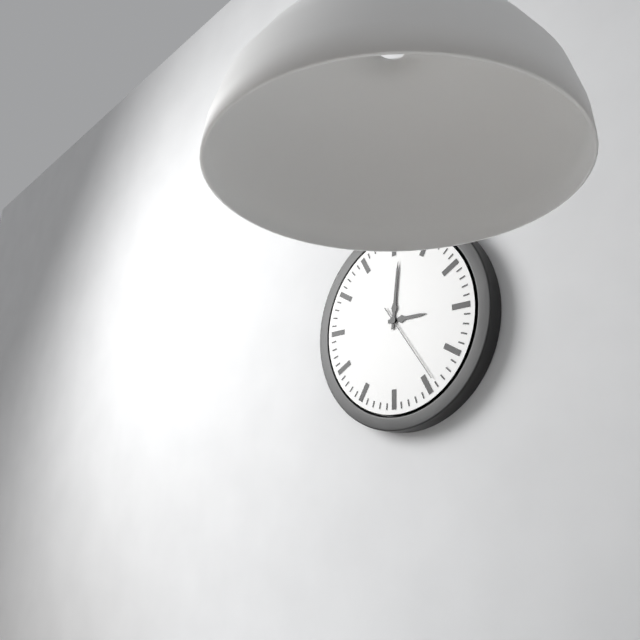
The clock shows 3.01.24
